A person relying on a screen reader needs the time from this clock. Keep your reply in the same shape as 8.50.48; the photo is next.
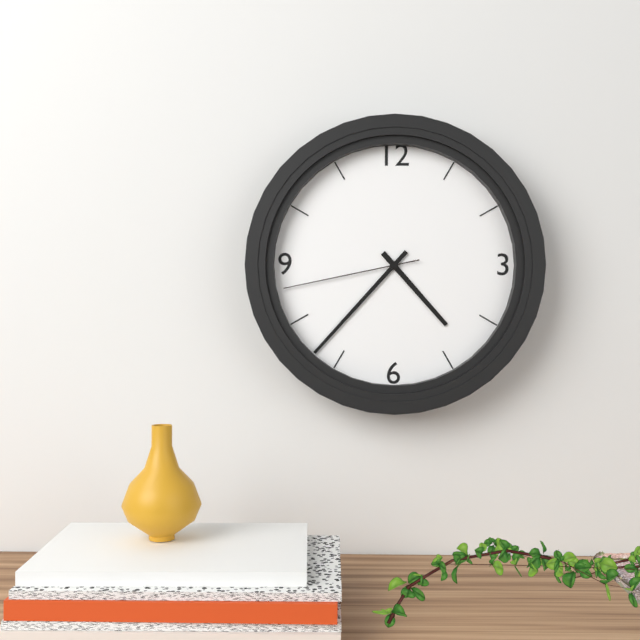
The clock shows 4.37.43
